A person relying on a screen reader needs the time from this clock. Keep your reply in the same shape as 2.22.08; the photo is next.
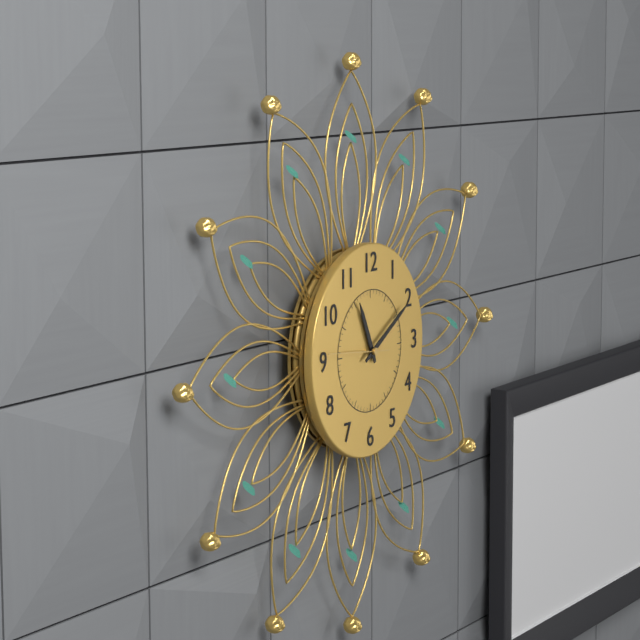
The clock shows 11.10.46
